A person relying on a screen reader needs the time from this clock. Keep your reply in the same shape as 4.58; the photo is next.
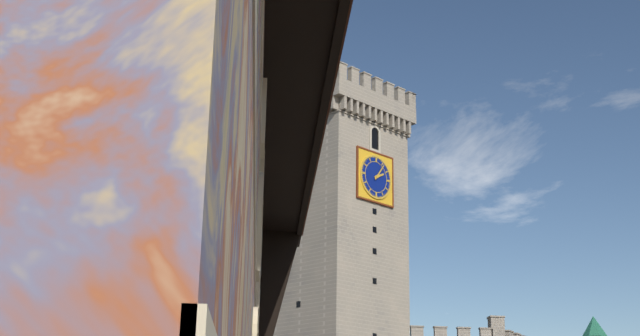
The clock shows 2.06
